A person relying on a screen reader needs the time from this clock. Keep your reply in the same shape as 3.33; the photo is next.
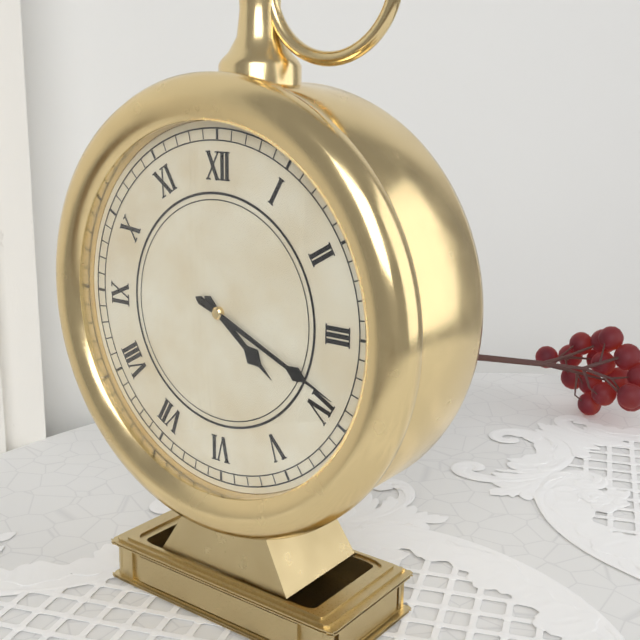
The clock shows 4.19
